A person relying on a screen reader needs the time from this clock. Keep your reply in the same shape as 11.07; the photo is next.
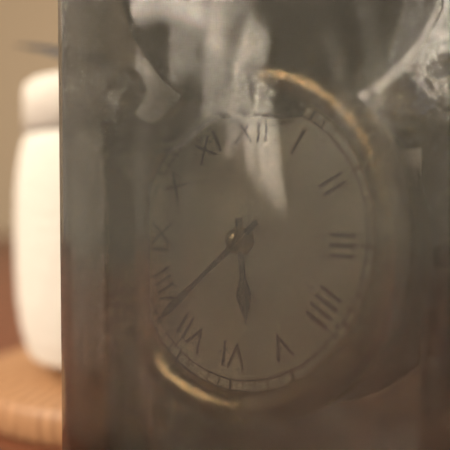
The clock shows 5.38
